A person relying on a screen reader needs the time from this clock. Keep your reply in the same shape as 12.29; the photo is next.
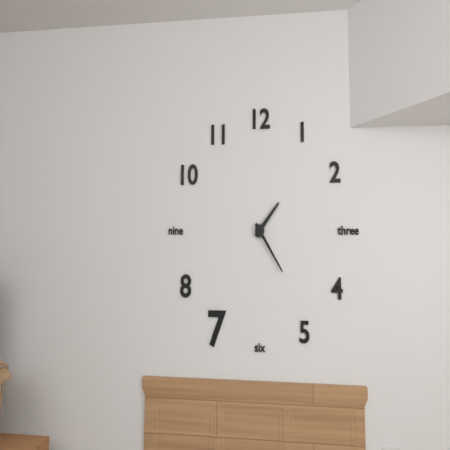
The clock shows 1.24
